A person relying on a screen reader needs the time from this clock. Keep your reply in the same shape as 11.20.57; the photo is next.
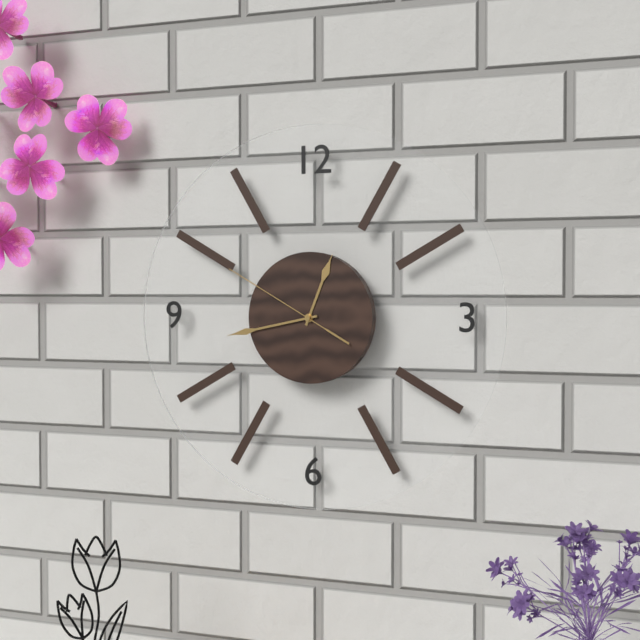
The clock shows 12.43.50
